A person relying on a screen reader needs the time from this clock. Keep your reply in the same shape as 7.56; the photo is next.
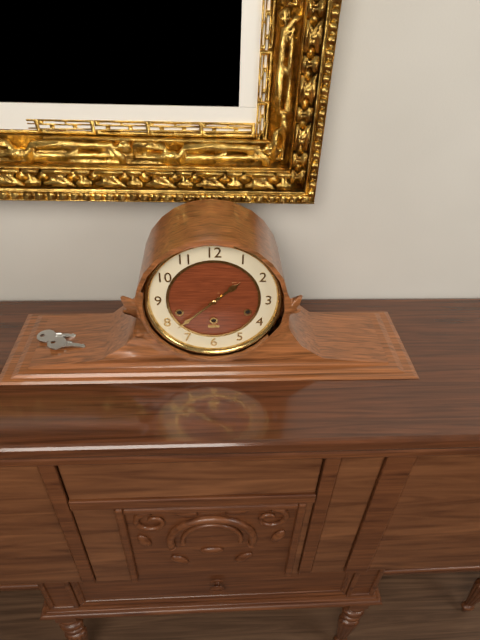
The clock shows 1.38
